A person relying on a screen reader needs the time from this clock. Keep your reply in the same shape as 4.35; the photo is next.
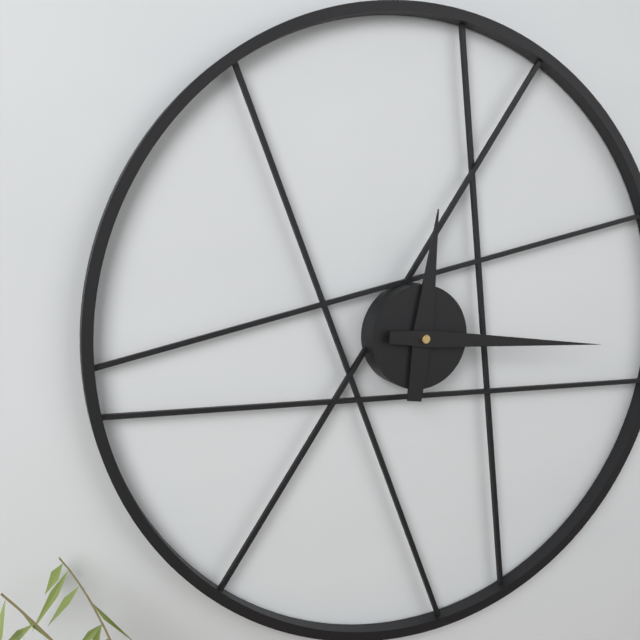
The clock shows 12.16
